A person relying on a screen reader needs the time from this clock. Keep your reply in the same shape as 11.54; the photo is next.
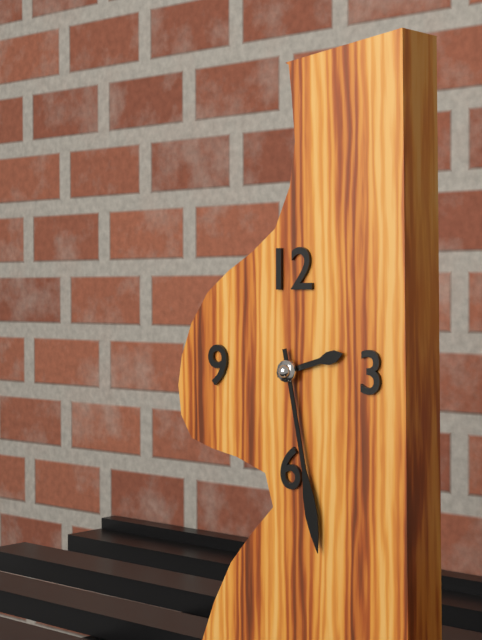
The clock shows 2.28
